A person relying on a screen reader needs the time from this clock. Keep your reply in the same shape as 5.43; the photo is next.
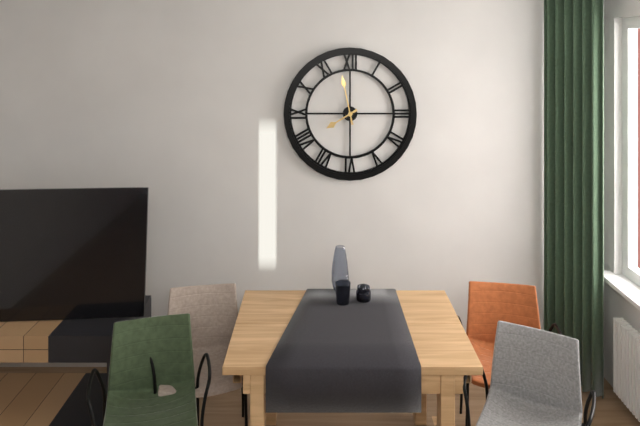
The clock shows 7.58
